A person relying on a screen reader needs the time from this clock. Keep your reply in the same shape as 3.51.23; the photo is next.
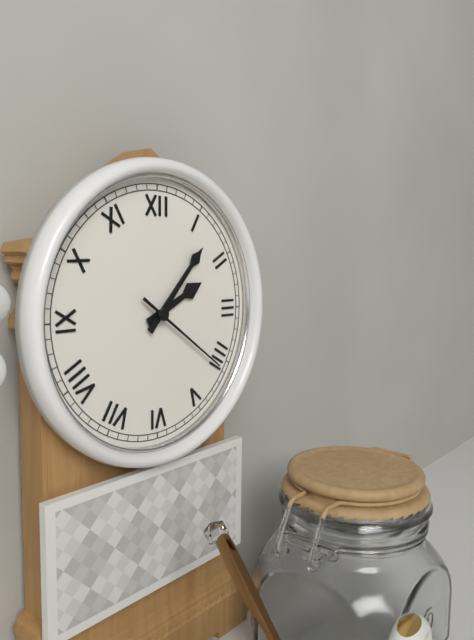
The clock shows 2.07.21
